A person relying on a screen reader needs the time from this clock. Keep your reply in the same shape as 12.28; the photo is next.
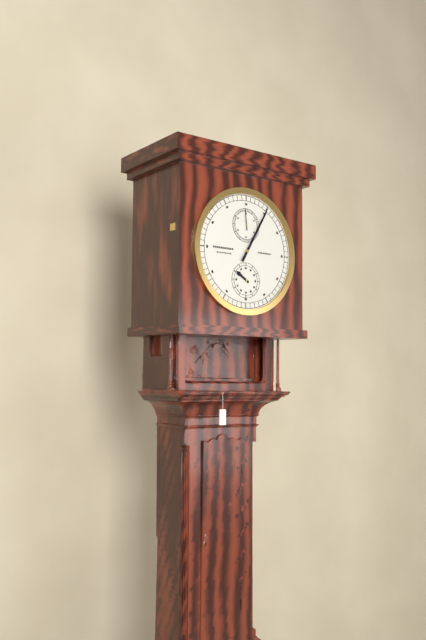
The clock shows 10.05
